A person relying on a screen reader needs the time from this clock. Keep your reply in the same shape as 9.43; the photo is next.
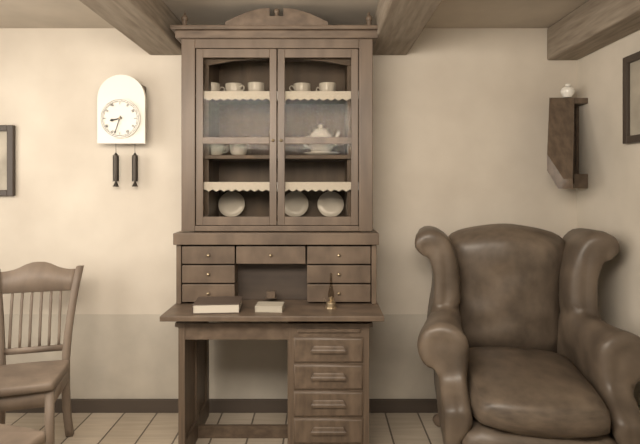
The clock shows 8.33
